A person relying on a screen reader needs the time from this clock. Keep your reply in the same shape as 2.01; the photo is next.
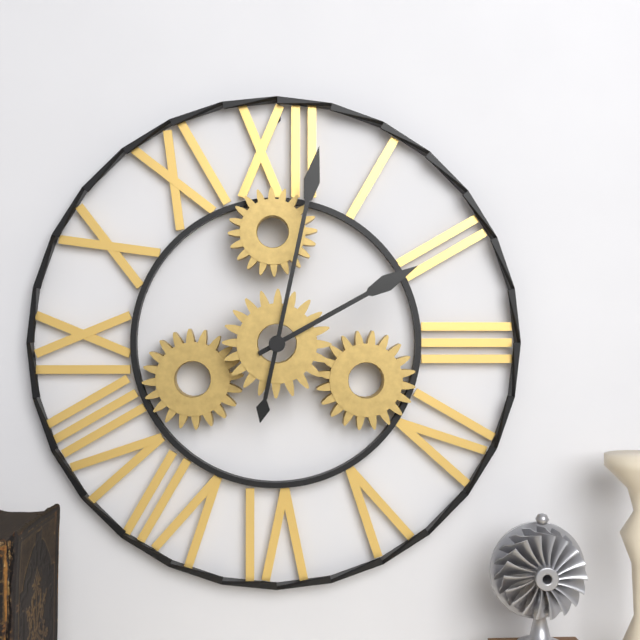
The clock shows 2.02
